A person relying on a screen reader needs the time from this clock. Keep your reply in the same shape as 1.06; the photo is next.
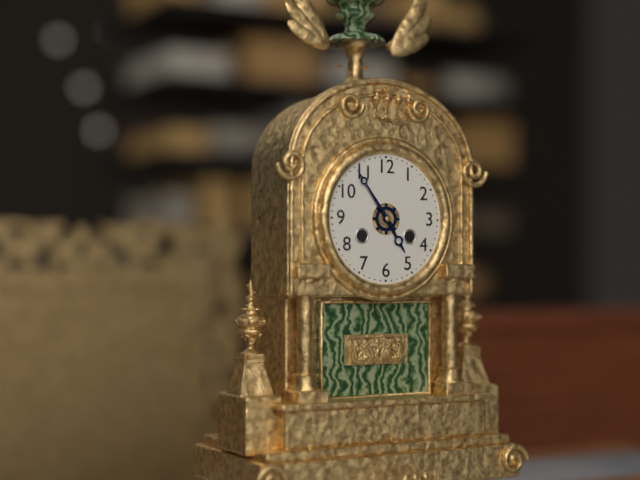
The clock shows 4.54
